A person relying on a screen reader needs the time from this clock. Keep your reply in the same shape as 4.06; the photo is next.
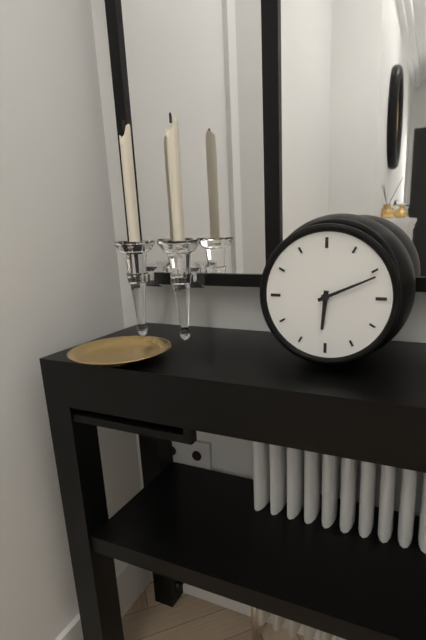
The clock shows 6.11
